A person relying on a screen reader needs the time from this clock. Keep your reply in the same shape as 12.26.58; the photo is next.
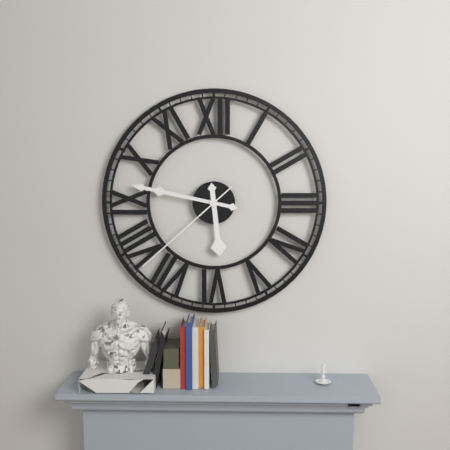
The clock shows 5.47.38
